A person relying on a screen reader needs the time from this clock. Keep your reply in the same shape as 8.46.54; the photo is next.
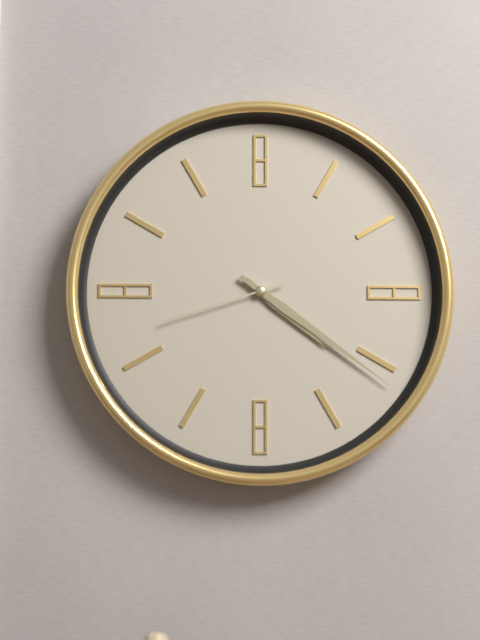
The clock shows 4.21.42
